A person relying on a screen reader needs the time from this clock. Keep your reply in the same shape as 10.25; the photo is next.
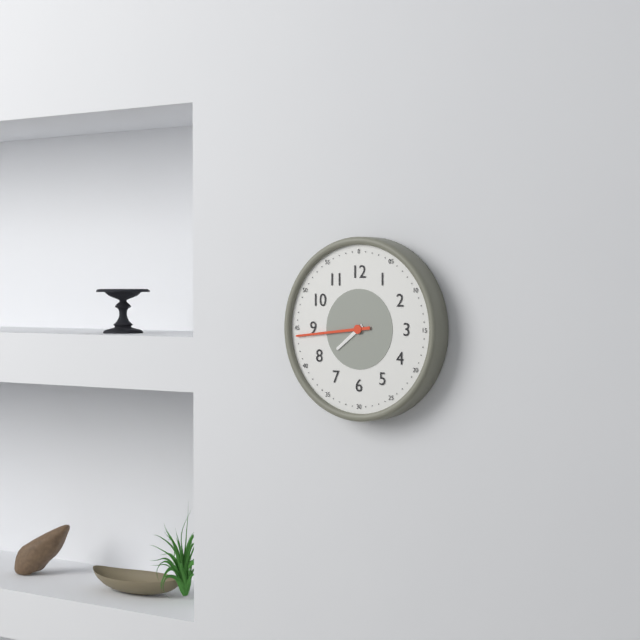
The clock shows 7.44
